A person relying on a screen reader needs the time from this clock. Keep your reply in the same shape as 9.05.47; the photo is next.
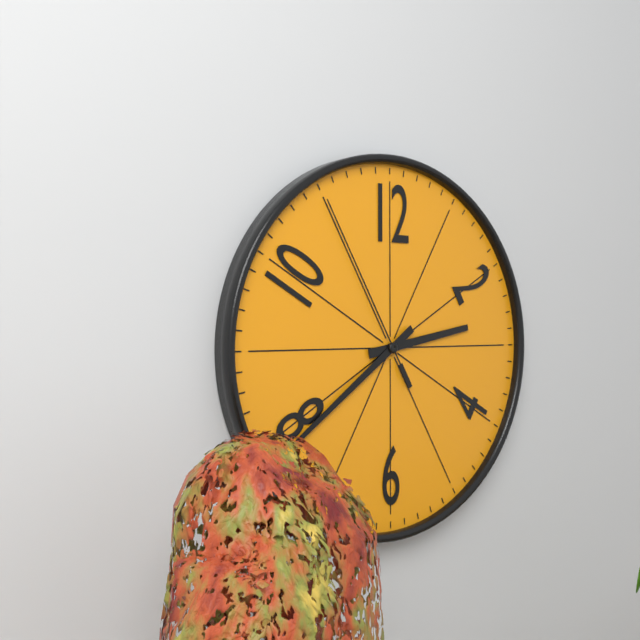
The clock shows 2.39.55
